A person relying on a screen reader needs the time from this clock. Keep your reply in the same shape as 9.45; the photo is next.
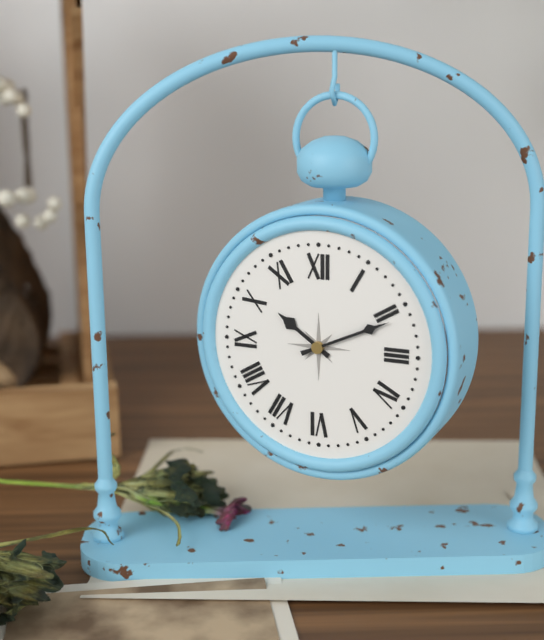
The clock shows 10.11
